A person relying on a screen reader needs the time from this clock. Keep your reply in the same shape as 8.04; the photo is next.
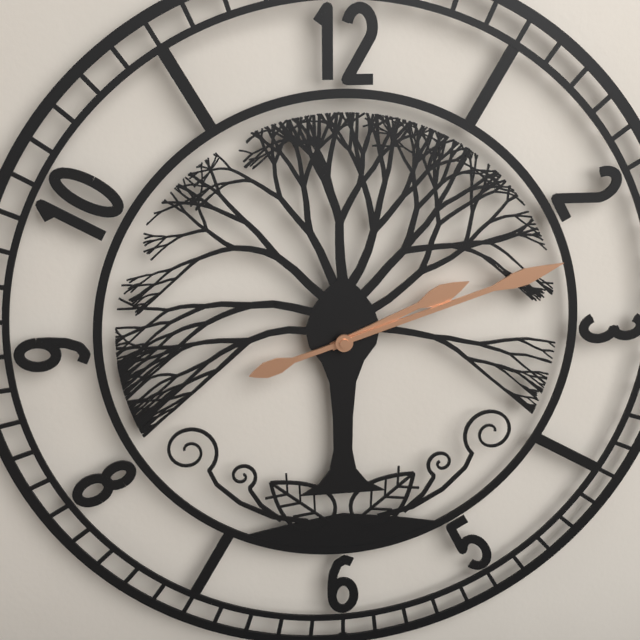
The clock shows 2.12
